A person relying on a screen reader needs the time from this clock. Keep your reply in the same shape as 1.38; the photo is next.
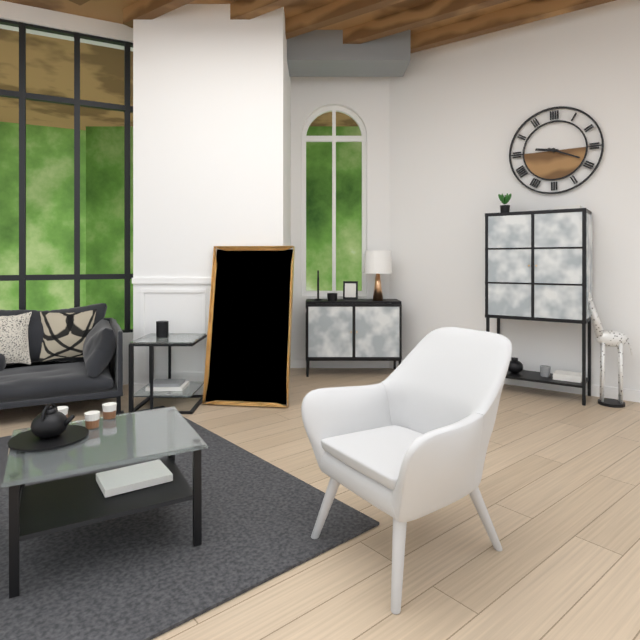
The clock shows 9.19
